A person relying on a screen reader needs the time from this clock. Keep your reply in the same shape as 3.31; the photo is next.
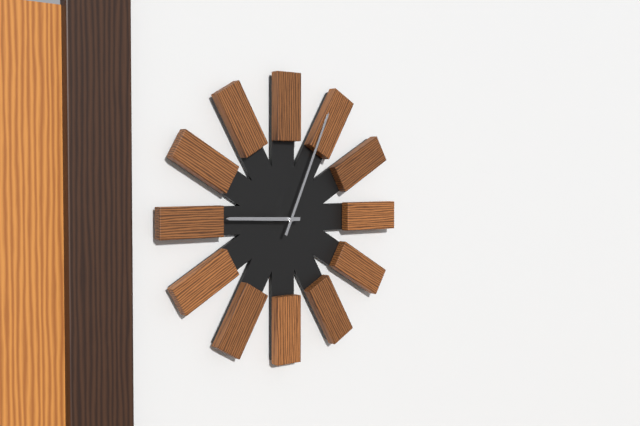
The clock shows 9.04
